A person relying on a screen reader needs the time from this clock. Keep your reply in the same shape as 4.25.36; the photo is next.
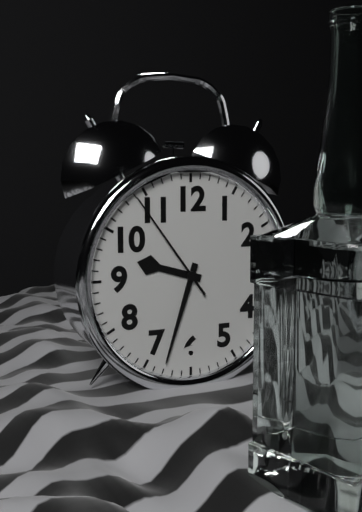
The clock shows 9.33.54
